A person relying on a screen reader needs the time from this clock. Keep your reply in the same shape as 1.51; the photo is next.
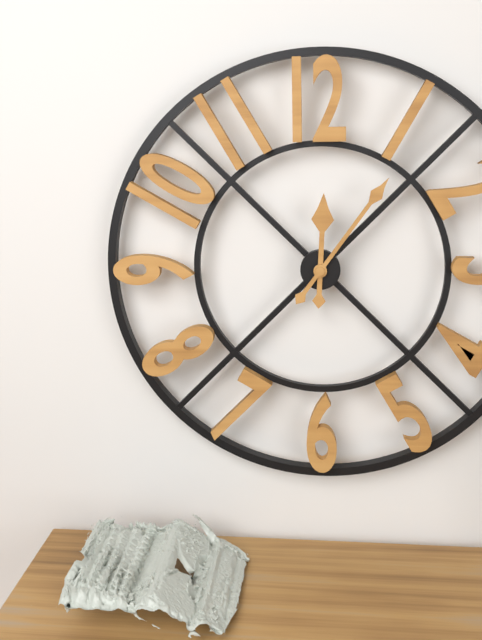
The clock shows 12.06
